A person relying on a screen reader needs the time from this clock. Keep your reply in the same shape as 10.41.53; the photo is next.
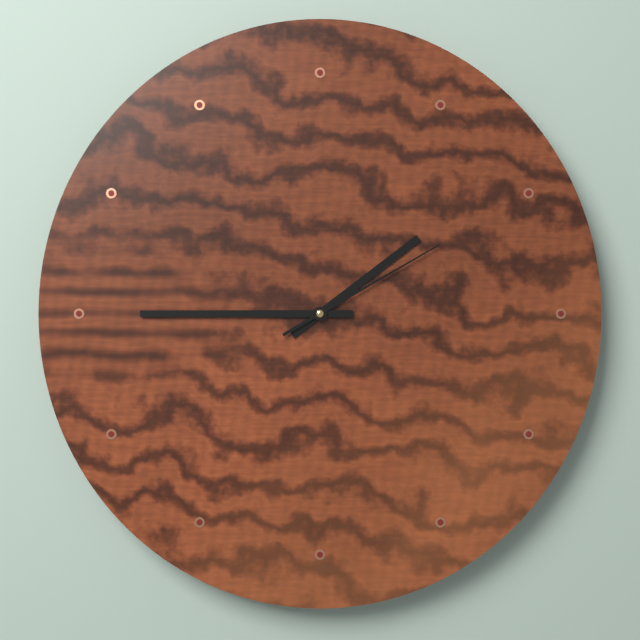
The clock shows 1.45.10
